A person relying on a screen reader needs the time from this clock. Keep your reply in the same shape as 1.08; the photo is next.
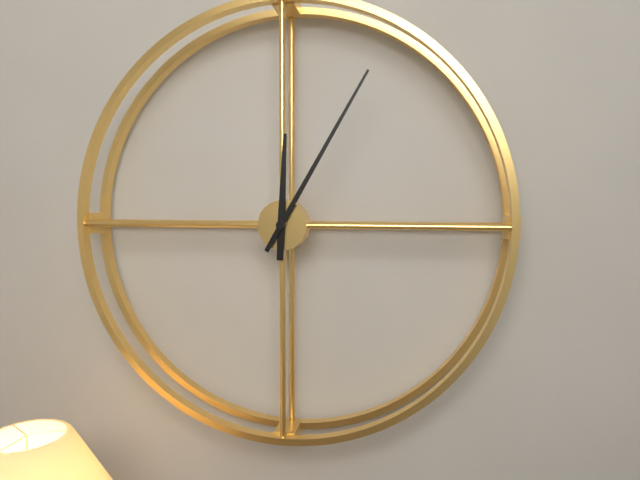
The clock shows 12.05
